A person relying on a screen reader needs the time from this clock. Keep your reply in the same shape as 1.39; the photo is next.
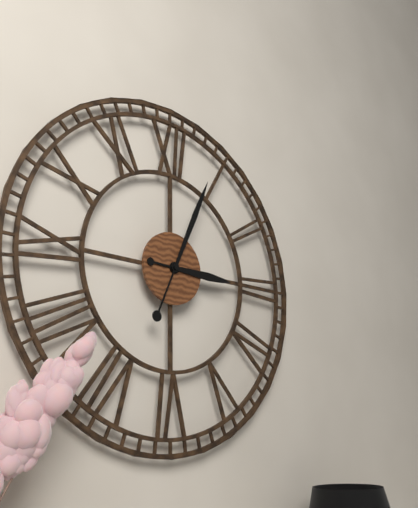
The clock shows 3.04
